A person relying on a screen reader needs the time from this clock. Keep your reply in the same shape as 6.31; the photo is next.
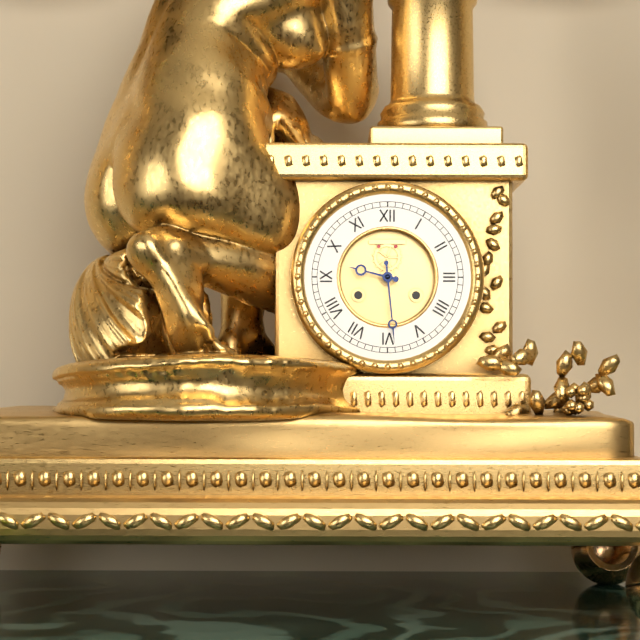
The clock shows 9.29
